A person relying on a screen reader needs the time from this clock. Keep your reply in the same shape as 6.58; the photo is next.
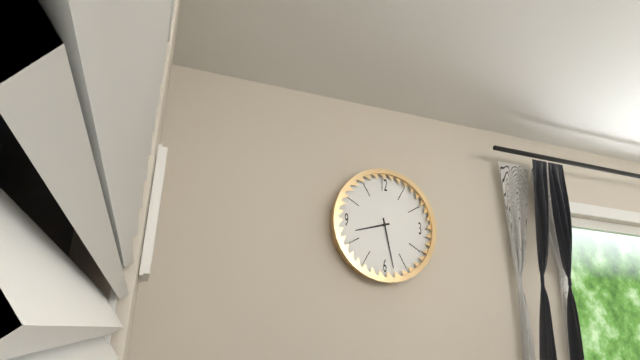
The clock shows 8.28
